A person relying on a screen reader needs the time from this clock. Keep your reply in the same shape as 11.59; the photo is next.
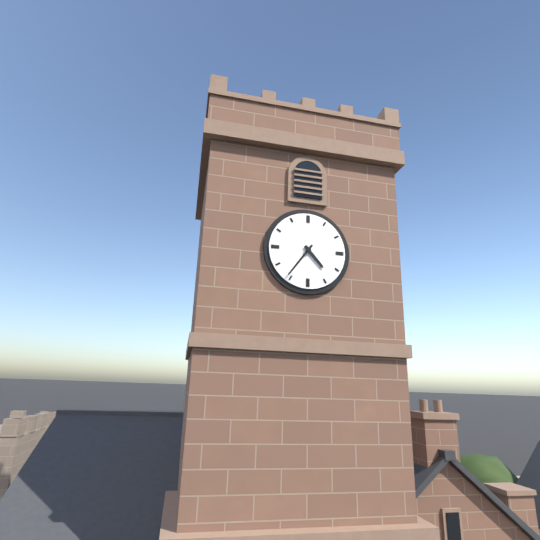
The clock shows 4.36
